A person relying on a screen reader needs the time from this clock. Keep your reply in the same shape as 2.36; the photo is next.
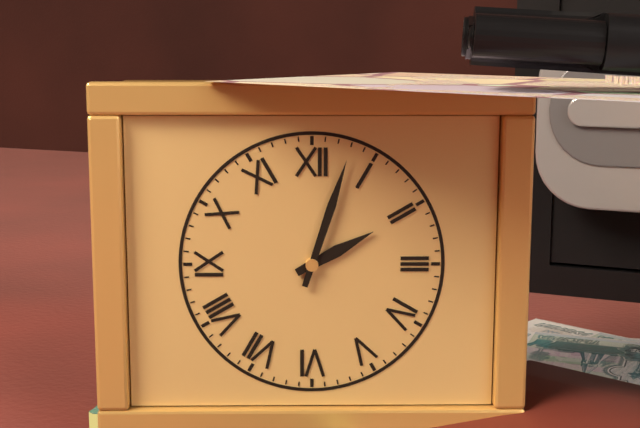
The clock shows 2.03
